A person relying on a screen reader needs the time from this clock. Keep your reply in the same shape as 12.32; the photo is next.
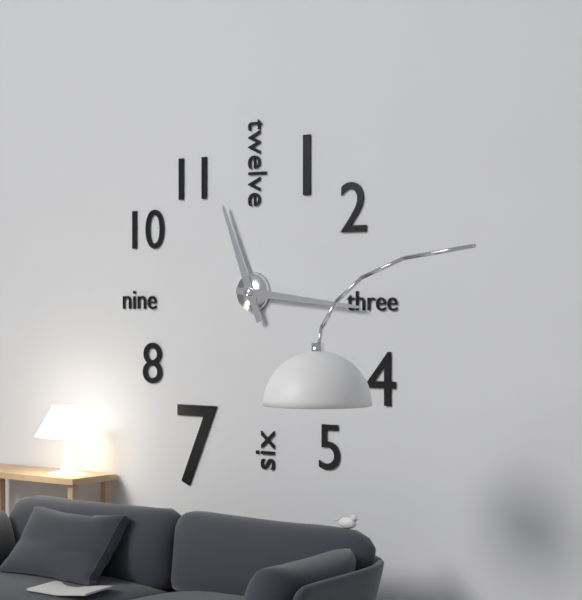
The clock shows 11.16
